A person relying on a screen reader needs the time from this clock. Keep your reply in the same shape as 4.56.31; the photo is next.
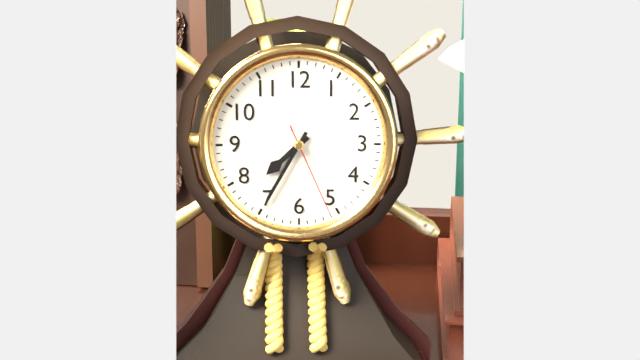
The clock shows 7.35.26
